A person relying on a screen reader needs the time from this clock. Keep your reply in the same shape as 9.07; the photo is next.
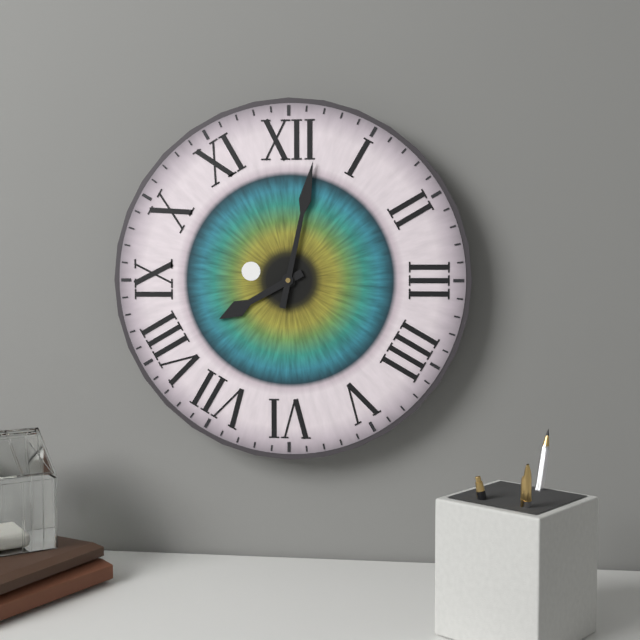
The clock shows 8.02
